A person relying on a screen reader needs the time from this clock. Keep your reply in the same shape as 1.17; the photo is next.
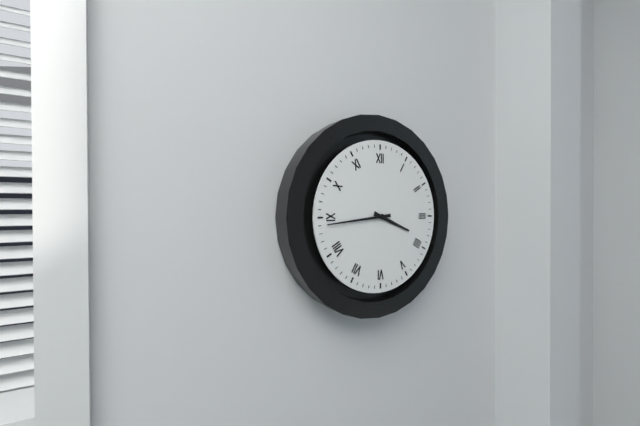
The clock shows 3.44
